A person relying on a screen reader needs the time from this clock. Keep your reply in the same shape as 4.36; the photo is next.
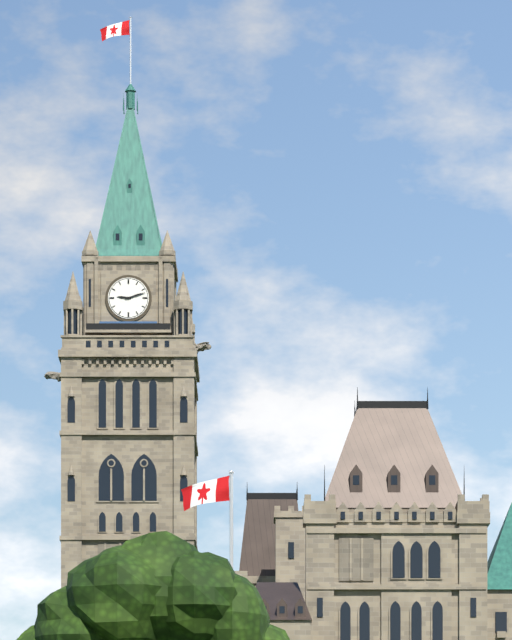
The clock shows 9.12
